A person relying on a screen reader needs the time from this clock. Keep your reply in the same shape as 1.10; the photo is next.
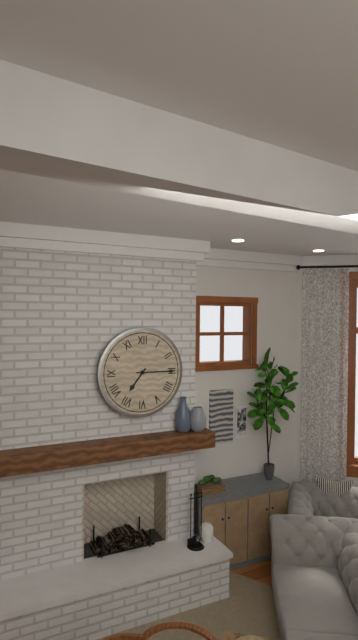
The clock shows 7.15
